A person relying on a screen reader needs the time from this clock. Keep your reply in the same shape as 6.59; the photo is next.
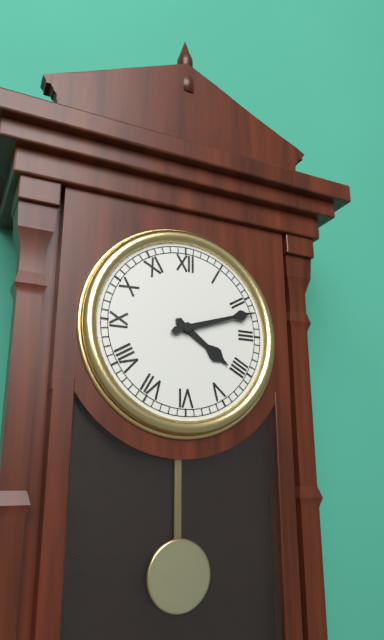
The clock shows 4.12
